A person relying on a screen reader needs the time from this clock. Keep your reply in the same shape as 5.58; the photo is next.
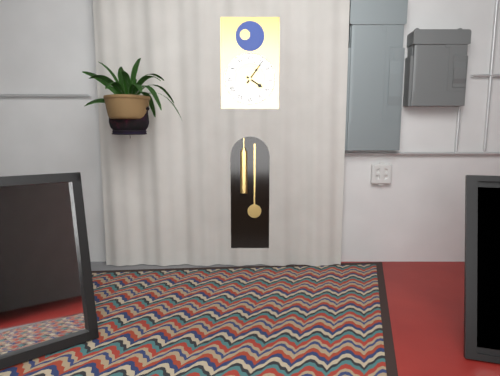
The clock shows 4.06
